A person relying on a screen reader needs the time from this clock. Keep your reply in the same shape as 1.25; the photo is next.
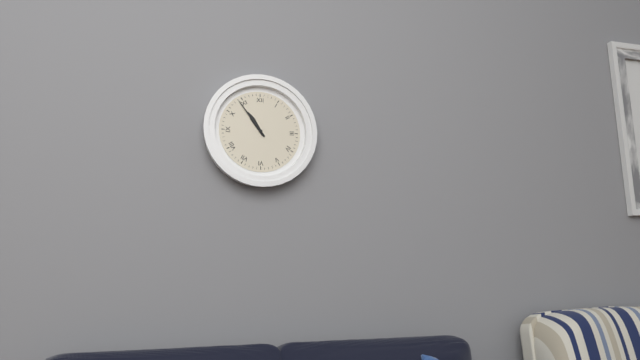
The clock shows 10.54
